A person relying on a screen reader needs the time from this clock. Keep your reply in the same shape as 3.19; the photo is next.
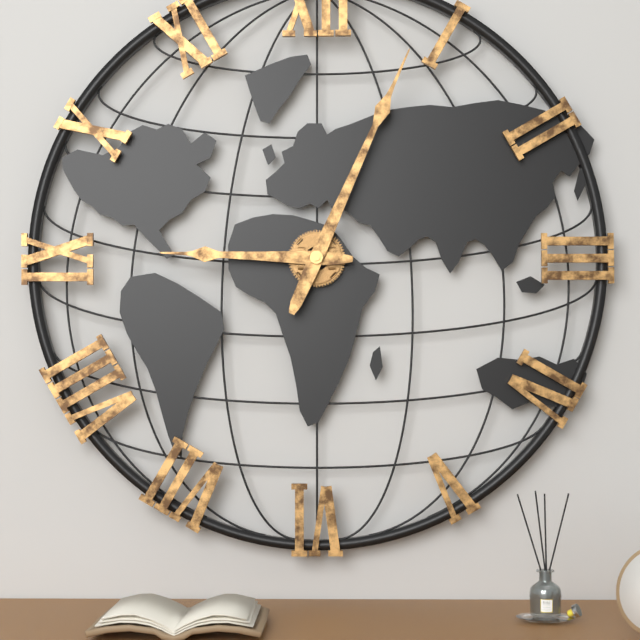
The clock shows 9.04
